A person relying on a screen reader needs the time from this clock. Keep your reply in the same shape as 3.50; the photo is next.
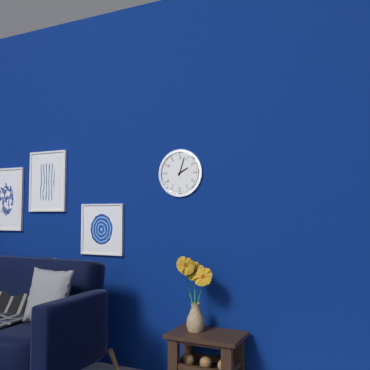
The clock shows 2.03
